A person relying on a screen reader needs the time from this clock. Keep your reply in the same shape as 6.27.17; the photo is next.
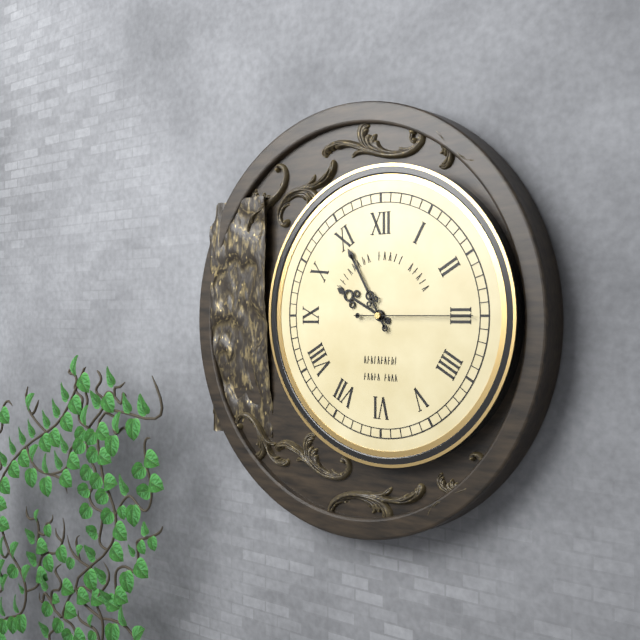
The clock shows 9.55.15
